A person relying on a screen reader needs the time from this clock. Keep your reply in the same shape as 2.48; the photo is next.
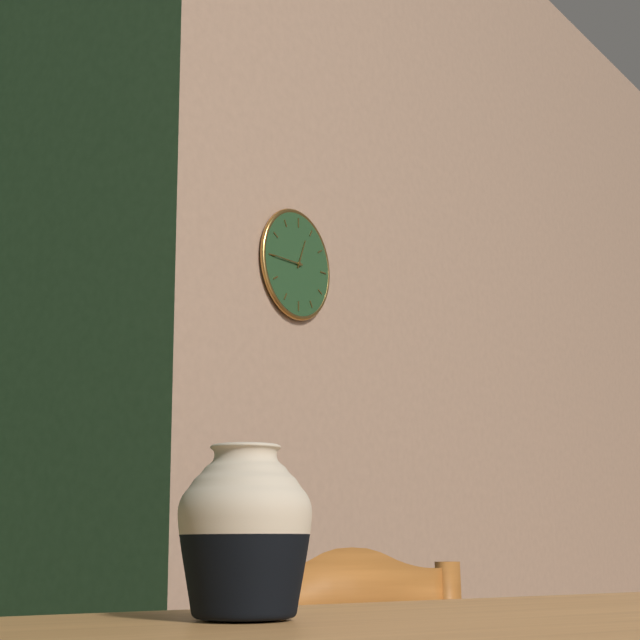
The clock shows 12.45
